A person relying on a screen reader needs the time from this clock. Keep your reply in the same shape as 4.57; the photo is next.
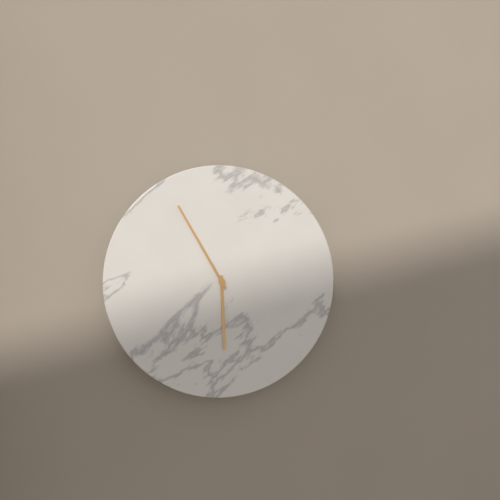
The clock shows 5.55
